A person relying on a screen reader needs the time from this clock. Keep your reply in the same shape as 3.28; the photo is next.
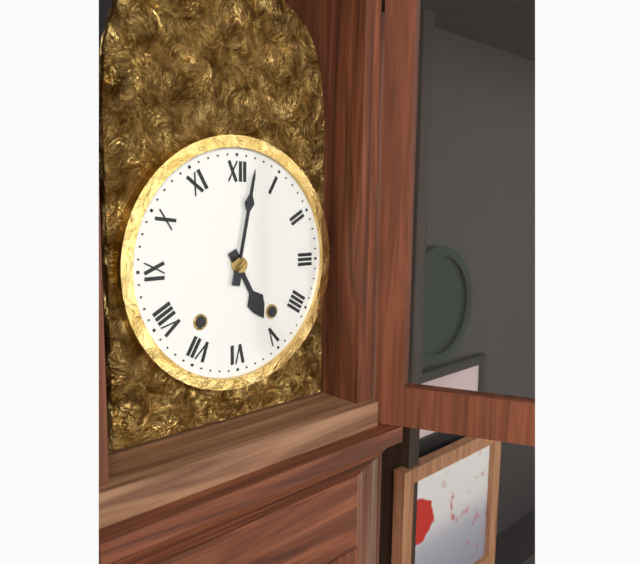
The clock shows 5.02
